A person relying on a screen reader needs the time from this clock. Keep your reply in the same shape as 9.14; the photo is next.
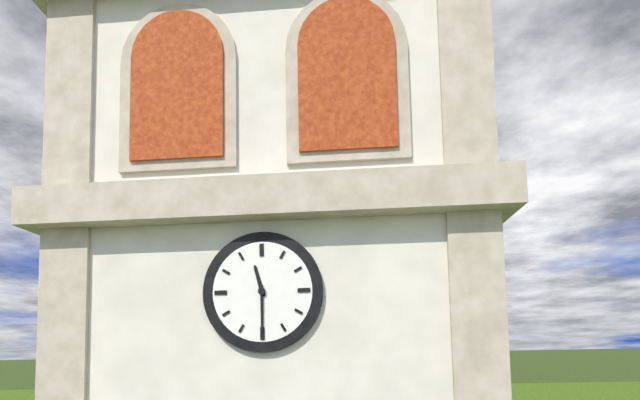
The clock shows 11.30
